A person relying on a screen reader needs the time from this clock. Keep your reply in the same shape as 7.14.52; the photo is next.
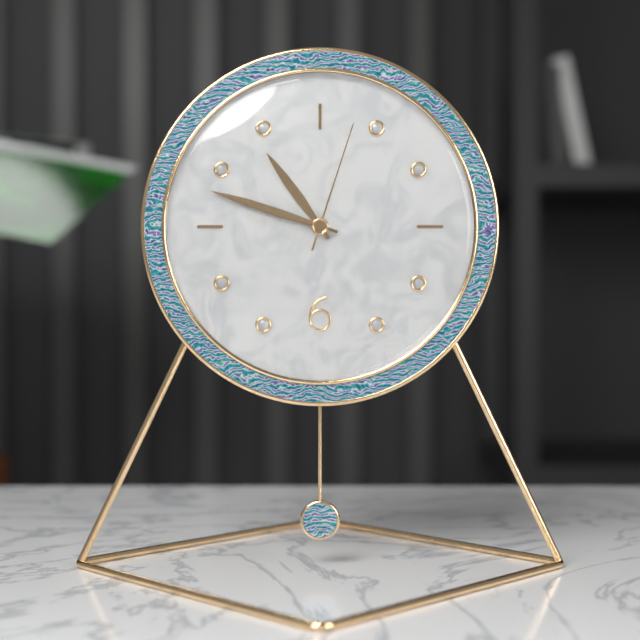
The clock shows 10.48.03
